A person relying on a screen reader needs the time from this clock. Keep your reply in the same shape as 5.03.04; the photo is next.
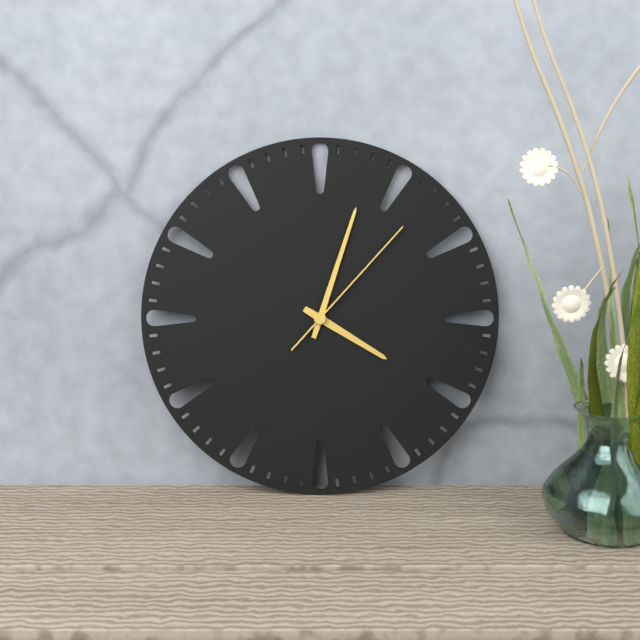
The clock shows 4.03.07
